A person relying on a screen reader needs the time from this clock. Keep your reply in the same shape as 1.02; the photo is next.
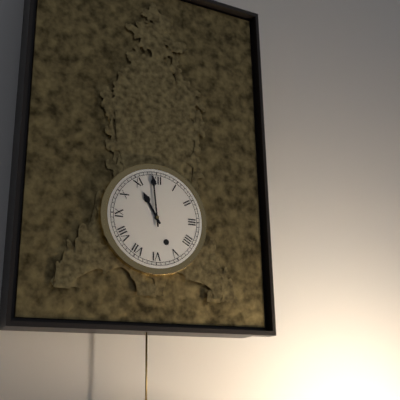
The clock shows 10.59
